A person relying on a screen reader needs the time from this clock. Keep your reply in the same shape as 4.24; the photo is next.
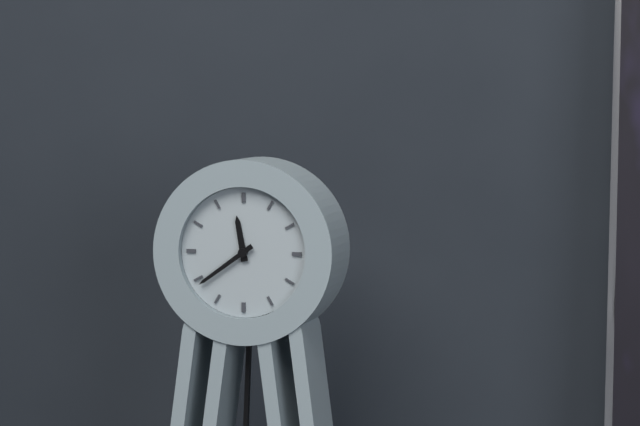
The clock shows 11.39
